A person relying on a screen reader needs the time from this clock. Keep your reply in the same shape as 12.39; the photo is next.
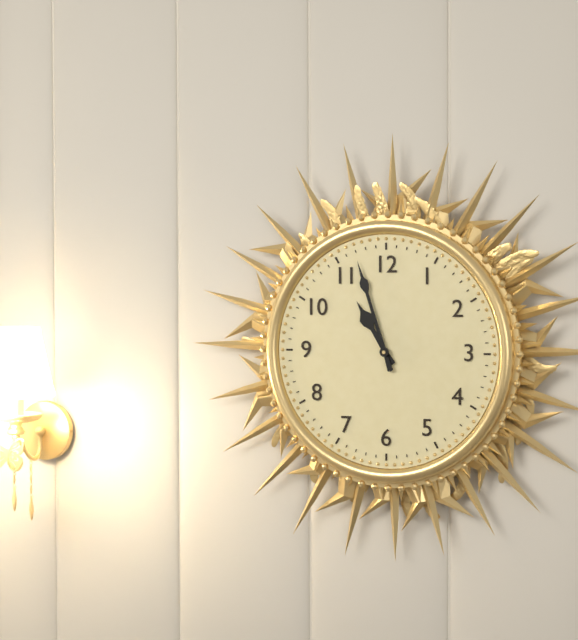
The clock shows 10.57
